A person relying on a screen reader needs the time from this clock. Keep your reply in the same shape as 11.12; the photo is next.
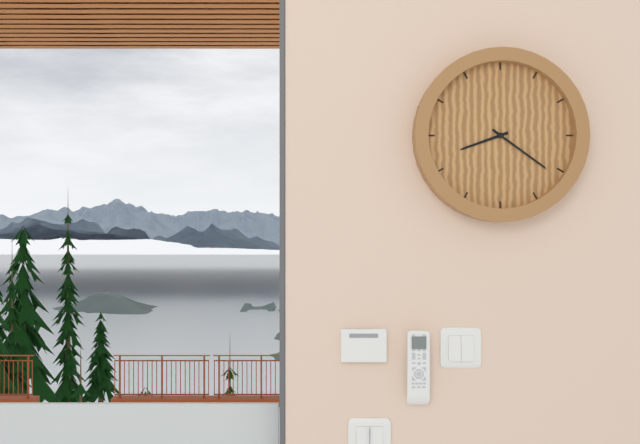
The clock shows 8.21
